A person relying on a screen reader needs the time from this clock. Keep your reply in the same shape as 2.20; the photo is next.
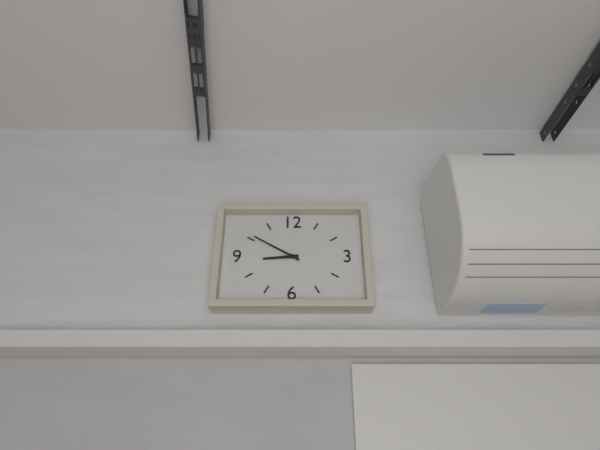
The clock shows 8.50
